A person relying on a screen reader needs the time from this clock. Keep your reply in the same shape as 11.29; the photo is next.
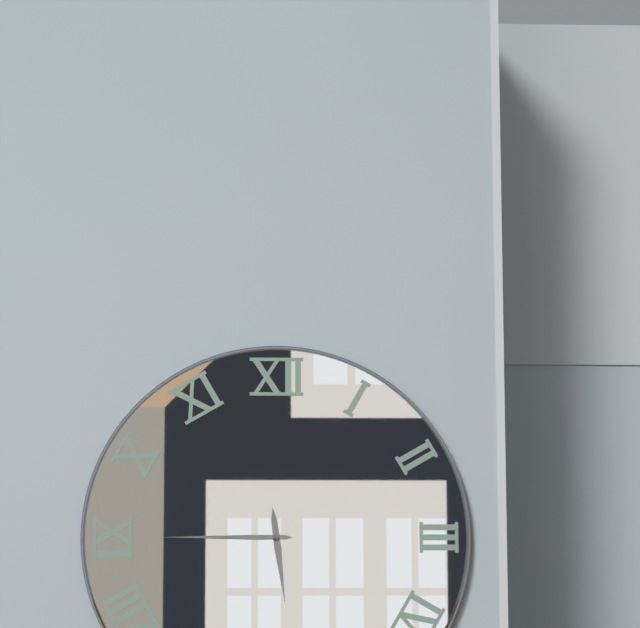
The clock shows 5.45
